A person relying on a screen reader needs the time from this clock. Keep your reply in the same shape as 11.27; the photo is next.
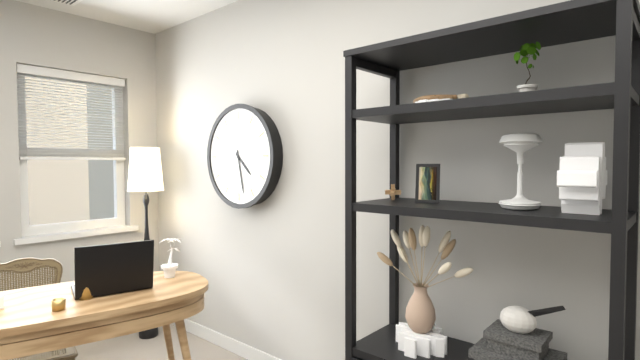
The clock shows 4.28
